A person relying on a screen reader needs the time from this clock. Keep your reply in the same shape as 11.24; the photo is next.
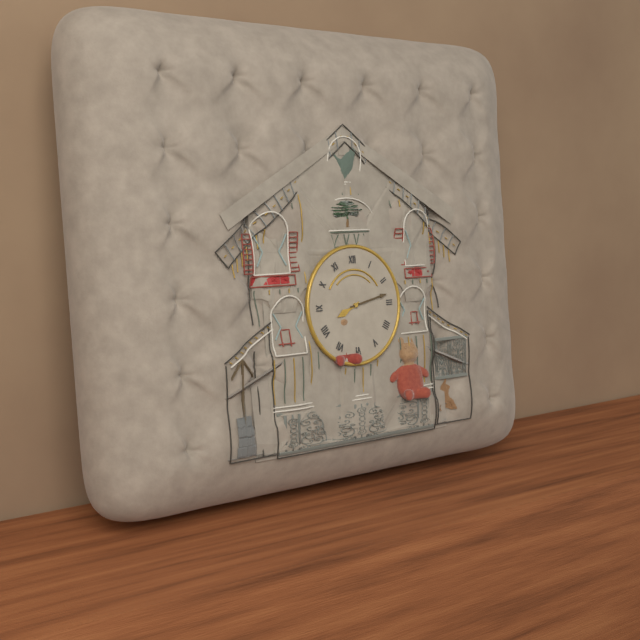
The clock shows 8.13
